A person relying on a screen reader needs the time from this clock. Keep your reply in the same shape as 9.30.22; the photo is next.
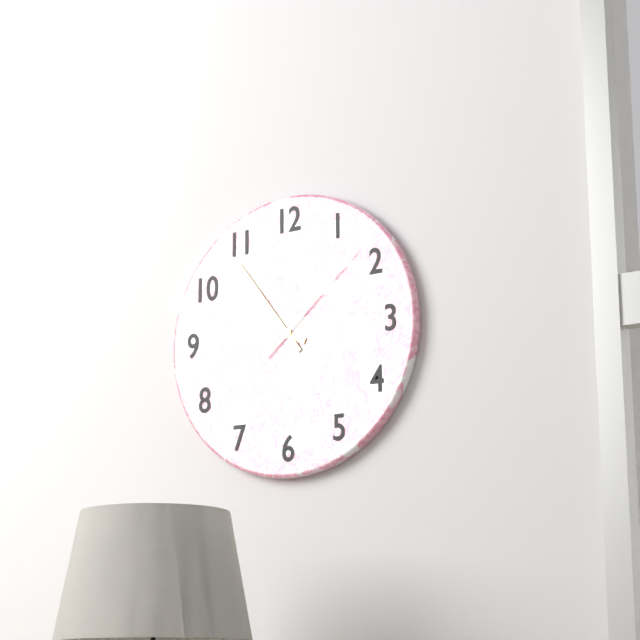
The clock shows 9.54.08
